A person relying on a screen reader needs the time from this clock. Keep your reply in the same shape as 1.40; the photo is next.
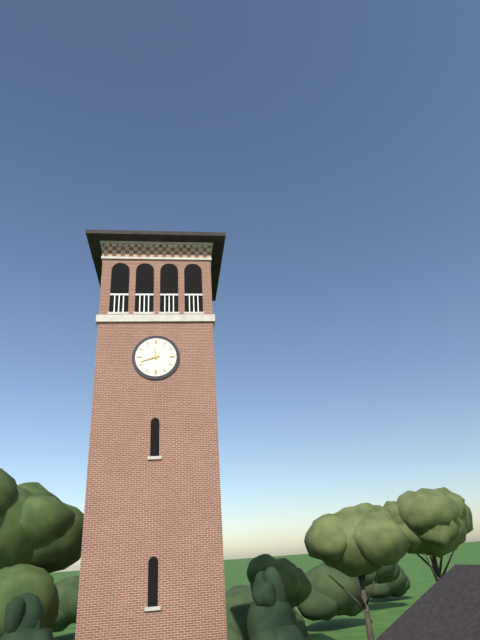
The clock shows 11.42
